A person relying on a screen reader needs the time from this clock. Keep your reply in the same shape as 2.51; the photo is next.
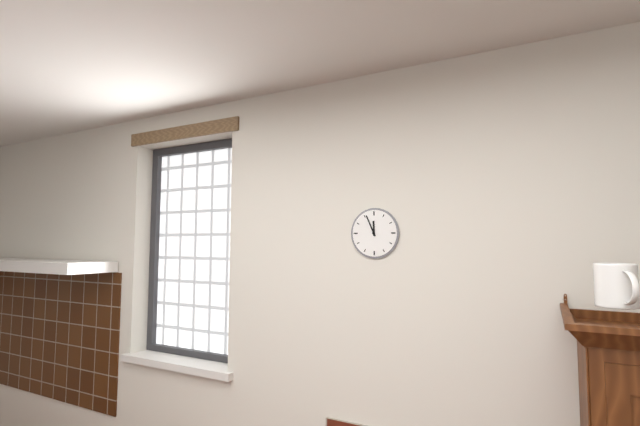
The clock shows 11.56
